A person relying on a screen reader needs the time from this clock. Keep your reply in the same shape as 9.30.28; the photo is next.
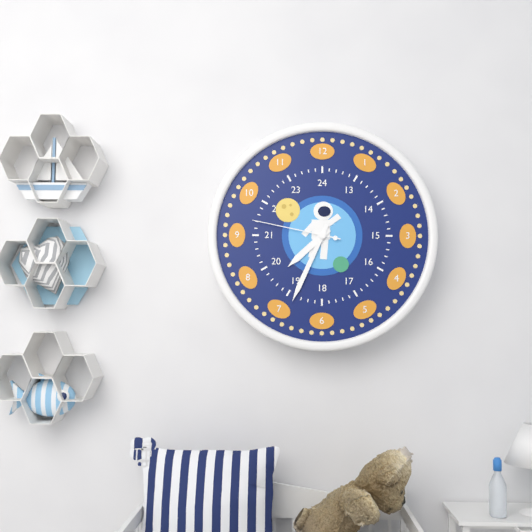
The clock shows 7.34.47
